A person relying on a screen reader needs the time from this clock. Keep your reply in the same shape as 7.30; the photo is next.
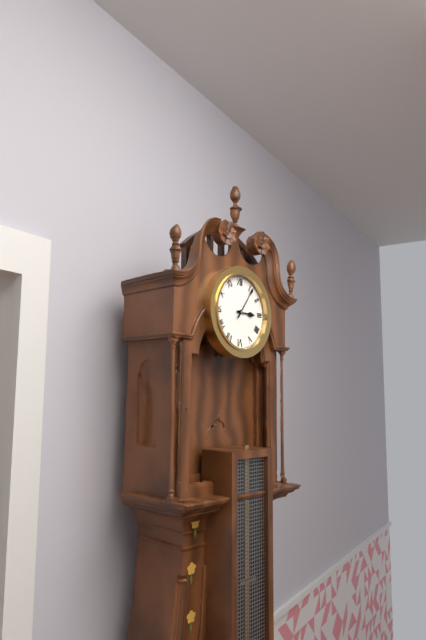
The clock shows 3.06
